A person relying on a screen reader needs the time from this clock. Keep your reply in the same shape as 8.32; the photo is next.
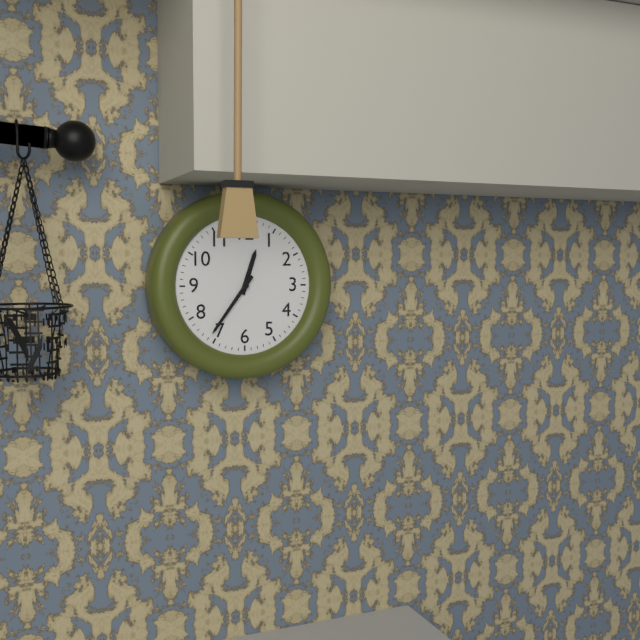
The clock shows 12.36
